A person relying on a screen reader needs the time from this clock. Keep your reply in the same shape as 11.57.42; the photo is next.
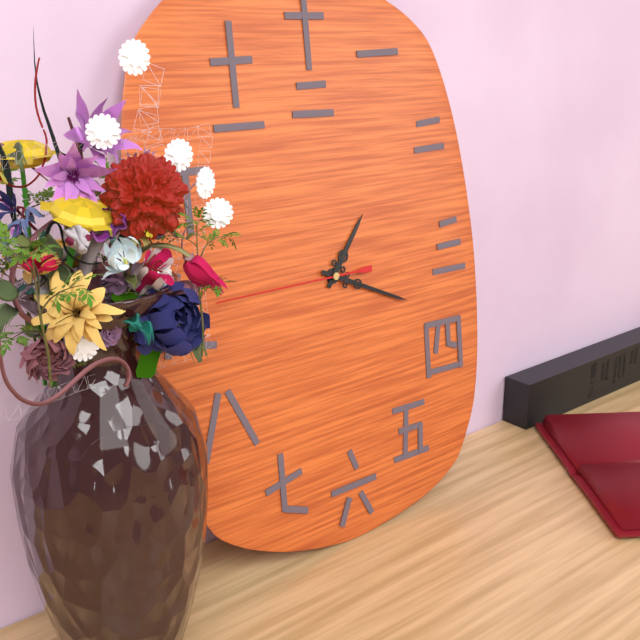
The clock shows 1.19.45
